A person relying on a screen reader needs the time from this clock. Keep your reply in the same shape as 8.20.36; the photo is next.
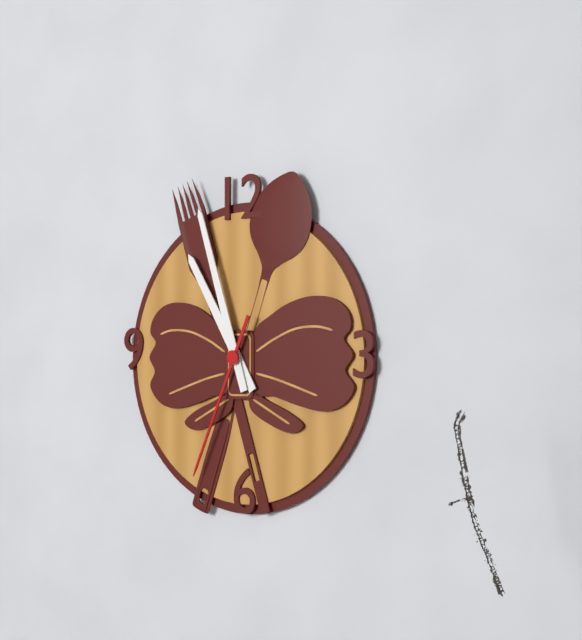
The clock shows 10.57.34
